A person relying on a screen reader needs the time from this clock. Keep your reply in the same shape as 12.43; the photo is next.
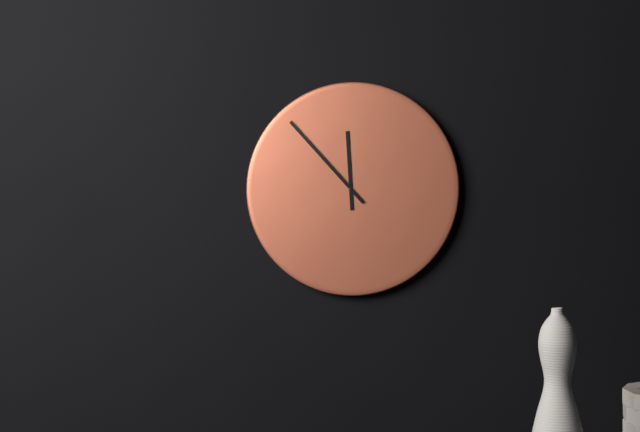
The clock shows 11.53
